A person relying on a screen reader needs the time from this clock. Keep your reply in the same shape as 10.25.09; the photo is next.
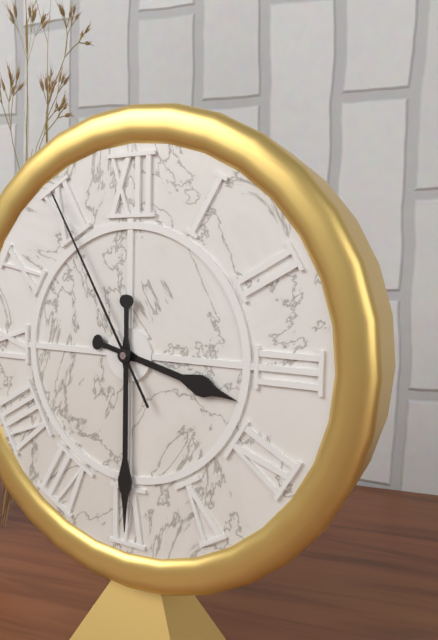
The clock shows 3.30.55
